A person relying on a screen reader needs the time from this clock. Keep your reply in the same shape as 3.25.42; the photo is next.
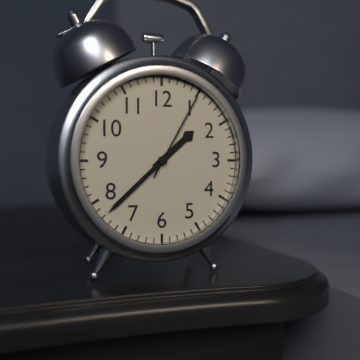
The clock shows 1.38.05
